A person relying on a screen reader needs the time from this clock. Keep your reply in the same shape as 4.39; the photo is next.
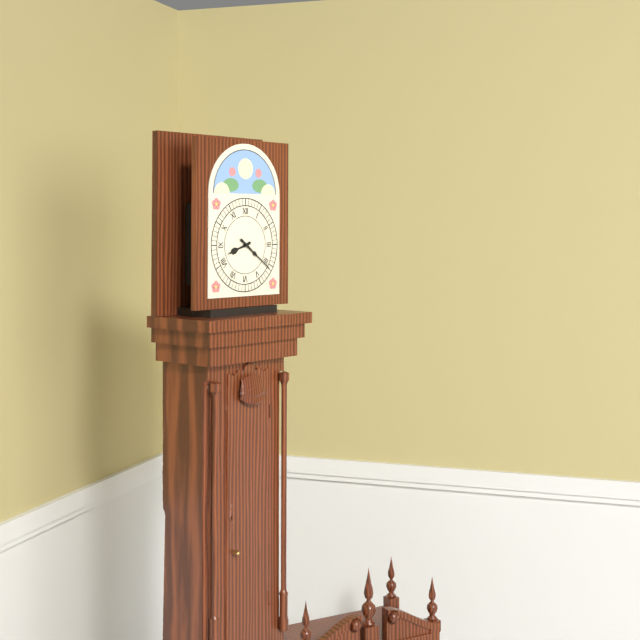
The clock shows 8.21
